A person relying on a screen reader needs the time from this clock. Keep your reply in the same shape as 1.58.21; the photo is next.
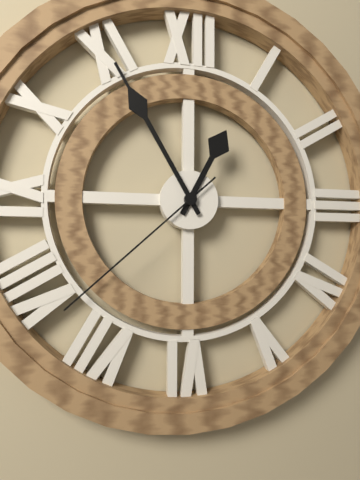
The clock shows 12.55.38
